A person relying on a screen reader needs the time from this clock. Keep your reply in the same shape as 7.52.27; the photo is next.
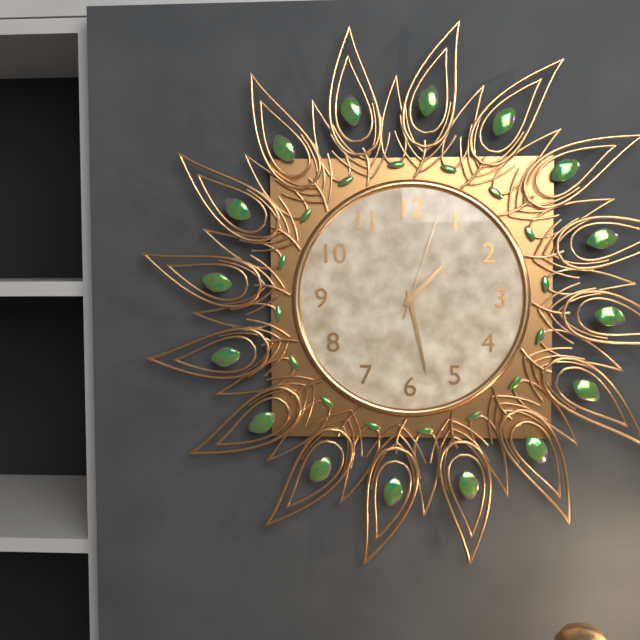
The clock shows 1.28.03
